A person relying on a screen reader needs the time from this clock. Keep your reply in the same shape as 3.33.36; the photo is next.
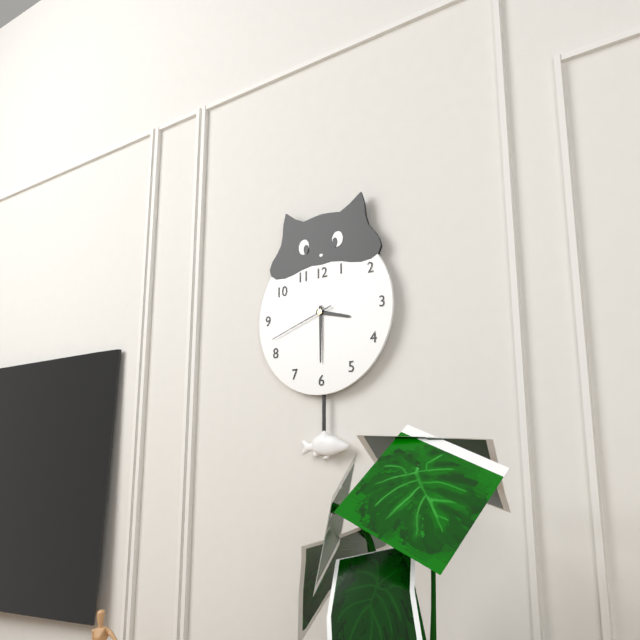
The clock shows 3.30.42
